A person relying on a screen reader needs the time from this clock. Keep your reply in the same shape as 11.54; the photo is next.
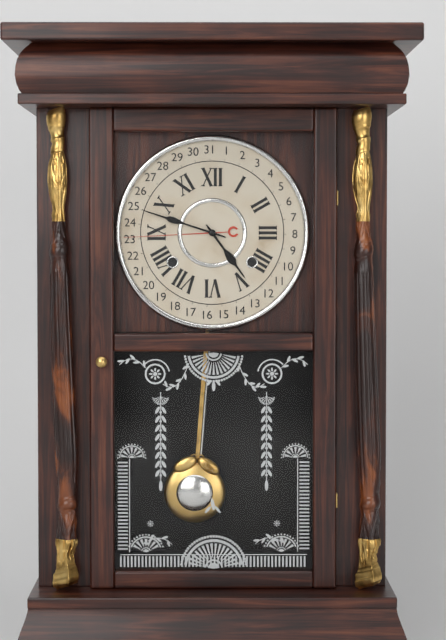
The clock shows 4.48
